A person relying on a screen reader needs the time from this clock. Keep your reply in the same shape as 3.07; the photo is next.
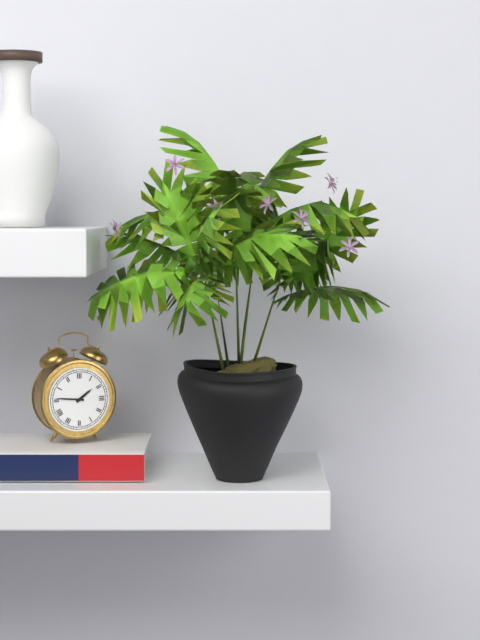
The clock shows 1.46
